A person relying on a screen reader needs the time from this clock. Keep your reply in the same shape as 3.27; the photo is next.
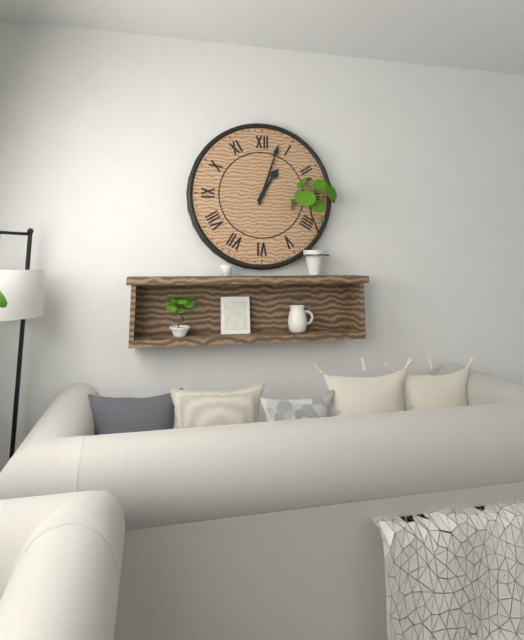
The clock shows 1.03
